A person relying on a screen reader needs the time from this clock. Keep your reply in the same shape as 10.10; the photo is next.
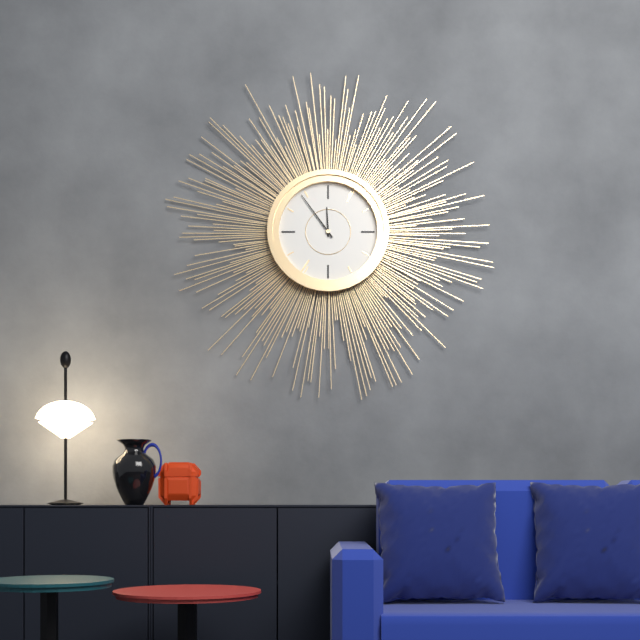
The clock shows 11.54
